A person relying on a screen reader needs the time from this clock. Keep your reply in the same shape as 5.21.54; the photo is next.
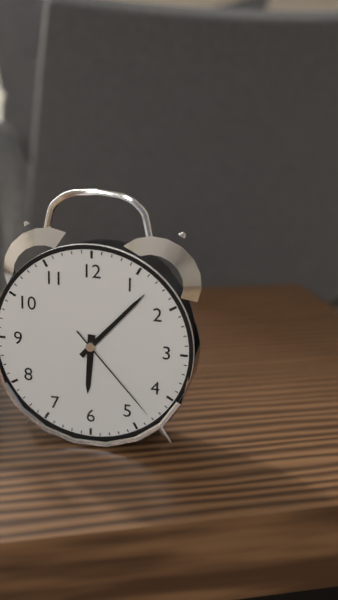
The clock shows 6.07.23
